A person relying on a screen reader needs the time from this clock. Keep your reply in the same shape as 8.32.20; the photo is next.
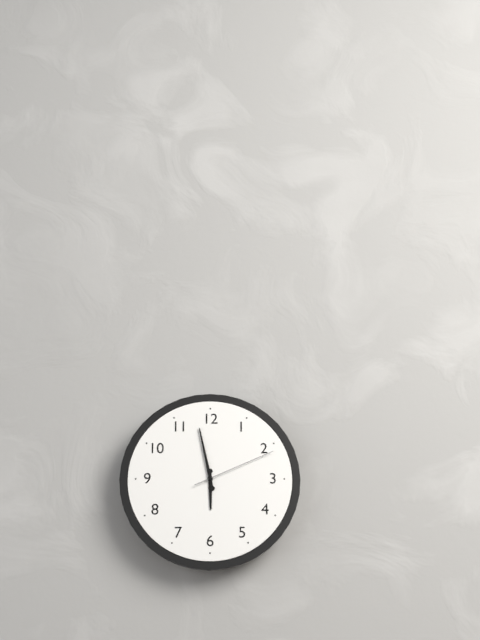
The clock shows 5.58.11
